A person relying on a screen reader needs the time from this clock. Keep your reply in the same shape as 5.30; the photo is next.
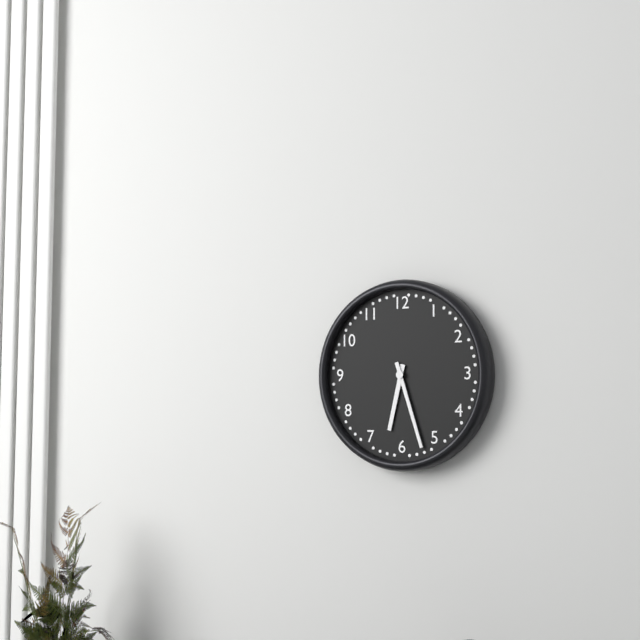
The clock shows 6.27
